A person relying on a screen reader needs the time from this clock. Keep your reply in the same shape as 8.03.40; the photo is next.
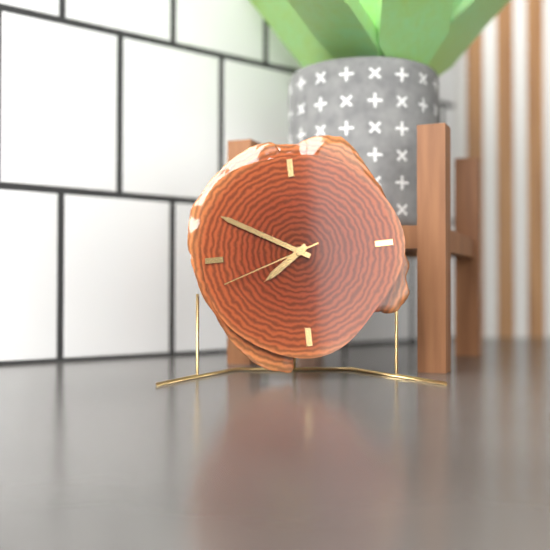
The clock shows 7.50.42
